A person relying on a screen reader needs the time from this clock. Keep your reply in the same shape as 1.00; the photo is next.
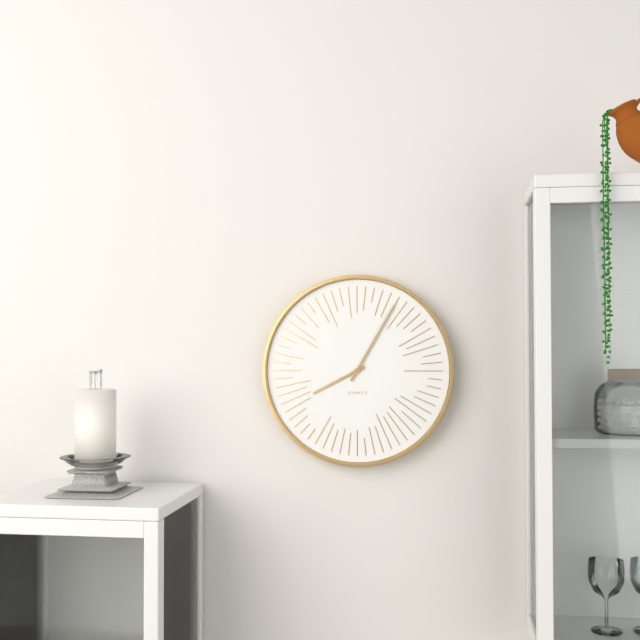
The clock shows 8.05
